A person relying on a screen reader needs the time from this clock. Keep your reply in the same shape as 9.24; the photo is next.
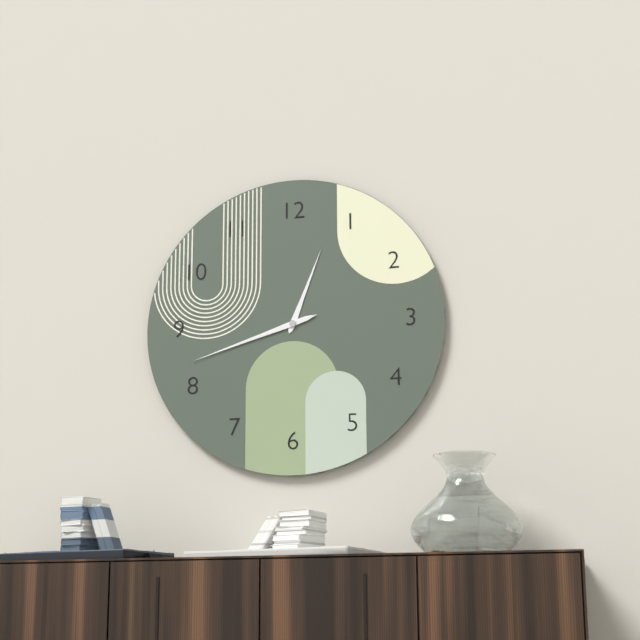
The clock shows 12.42
